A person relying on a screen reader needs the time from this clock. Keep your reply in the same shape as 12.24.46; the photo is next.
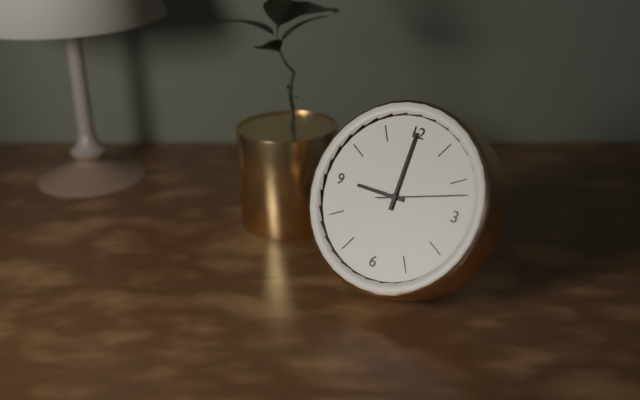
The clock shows 9.00.12
